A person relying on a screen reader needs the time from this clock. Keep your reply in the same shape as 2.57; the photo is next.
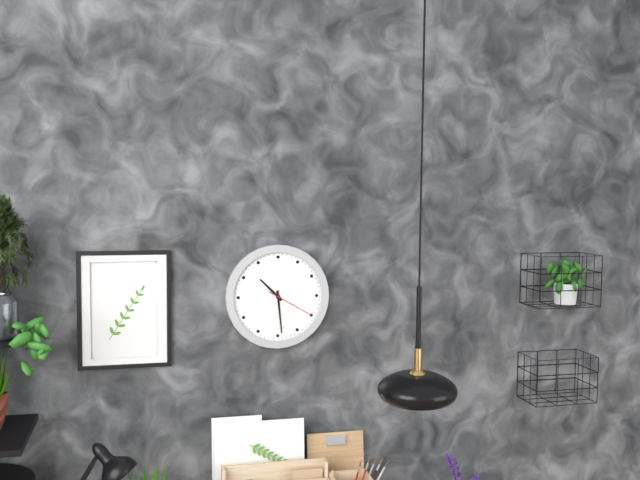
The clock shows 10.29
